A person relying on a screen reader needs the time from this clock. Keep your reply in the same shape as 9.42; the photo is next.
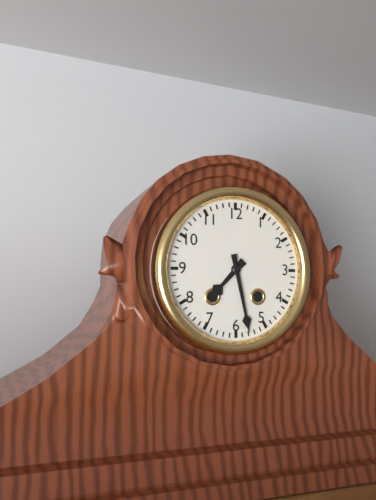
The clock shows 7.28
